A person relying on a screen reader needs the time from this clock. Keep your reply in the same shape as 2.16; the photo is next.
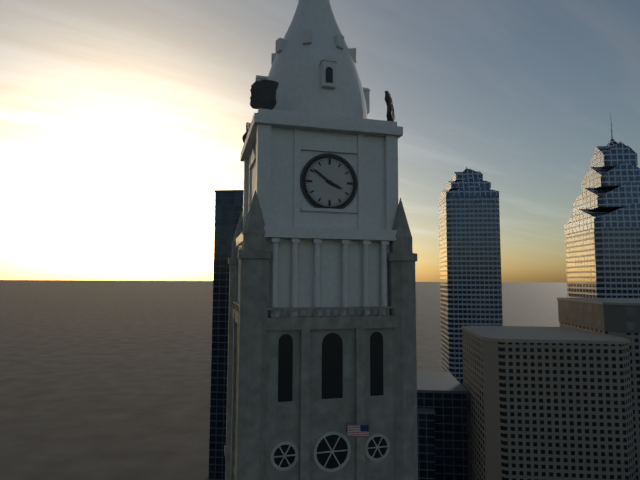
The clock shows 3.51
